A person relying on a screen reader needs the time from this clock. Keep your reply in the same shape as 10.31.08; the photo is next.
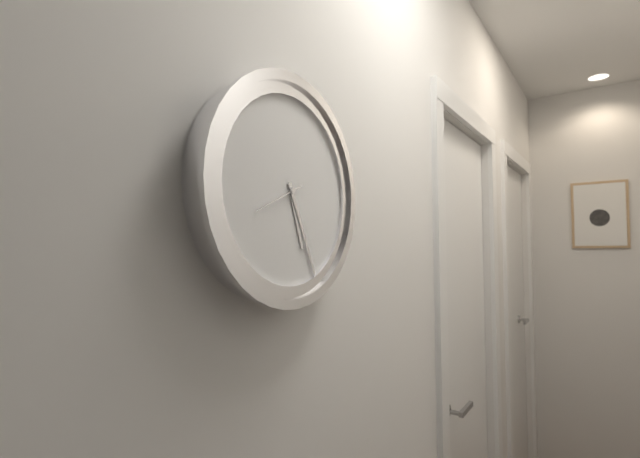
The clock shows 5.26.41
